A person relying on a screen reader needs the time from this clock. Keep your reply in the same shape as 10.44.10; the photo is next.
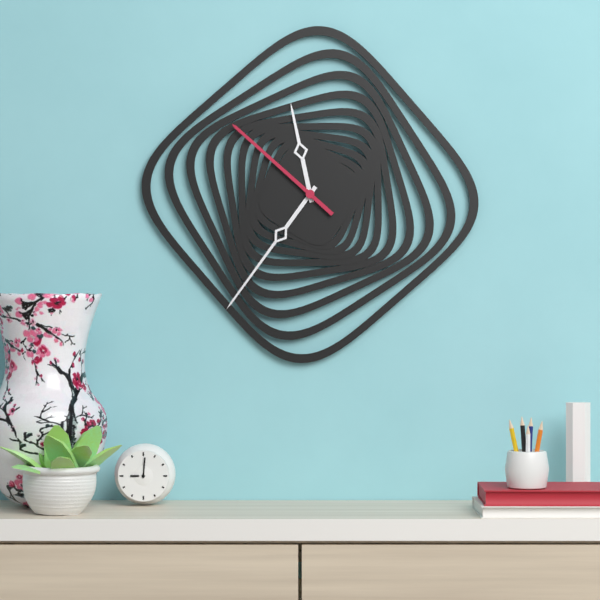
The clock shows 11.36.52
